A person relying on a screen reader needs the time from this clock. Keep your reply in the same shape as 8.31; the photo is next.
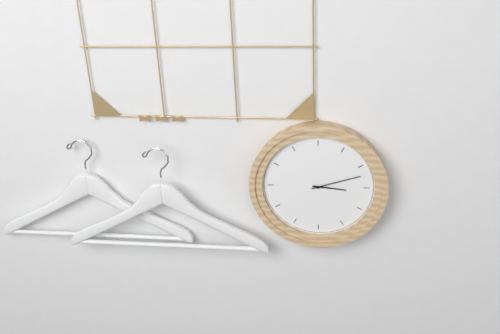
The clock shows 3.12
